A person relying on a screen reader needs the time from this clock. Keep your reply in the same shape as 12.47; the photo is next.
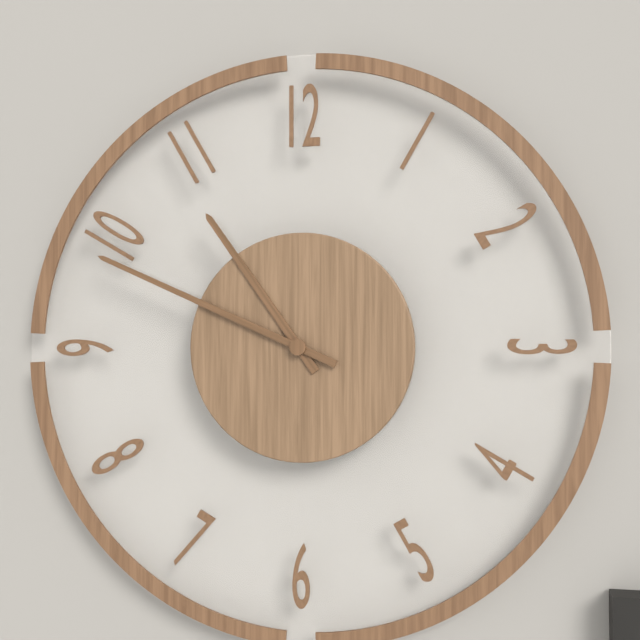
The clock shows 10.49
